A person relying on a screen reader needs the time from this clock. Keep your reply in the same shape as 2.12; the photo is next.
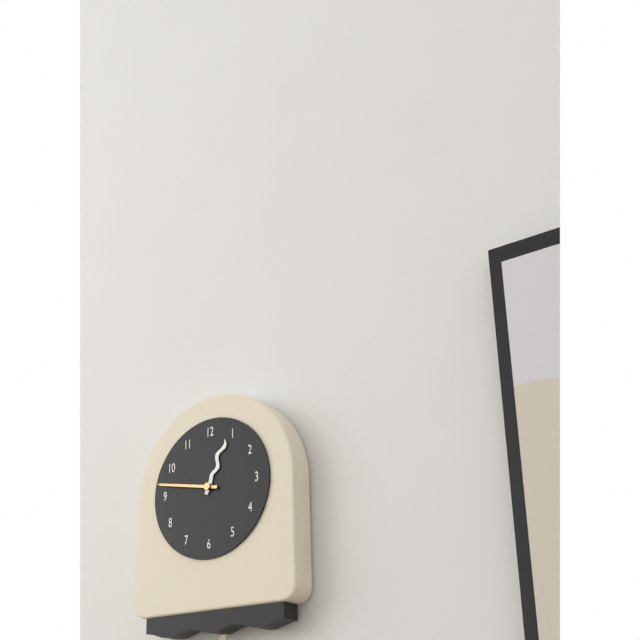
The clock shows 12.47
